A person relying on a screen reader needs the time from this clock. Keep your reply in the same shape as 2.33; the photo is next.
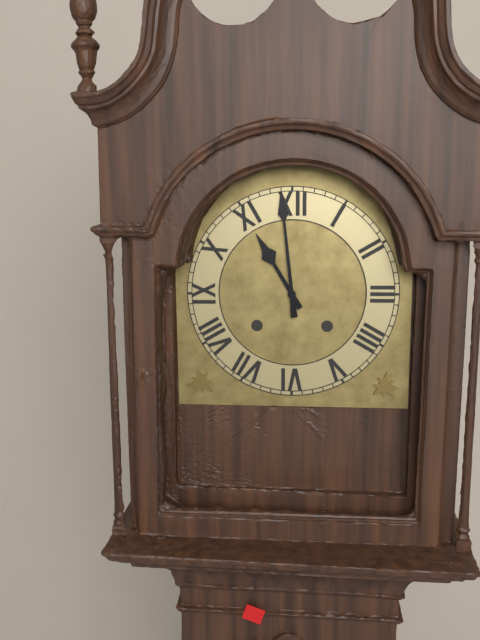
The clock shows 10.59
